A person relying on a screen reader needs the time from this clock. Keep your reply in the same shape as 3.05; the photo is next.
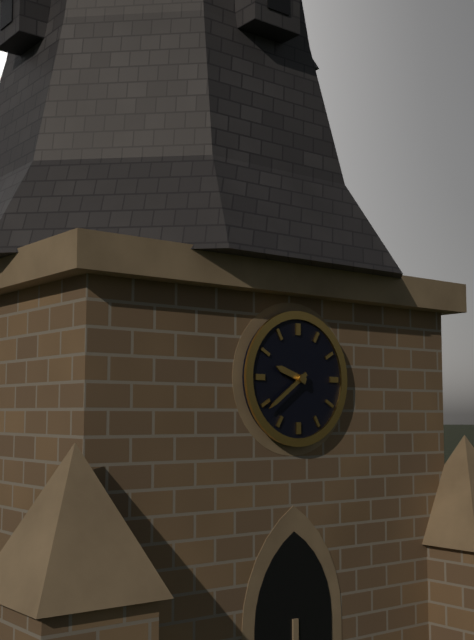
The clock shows 9.39
